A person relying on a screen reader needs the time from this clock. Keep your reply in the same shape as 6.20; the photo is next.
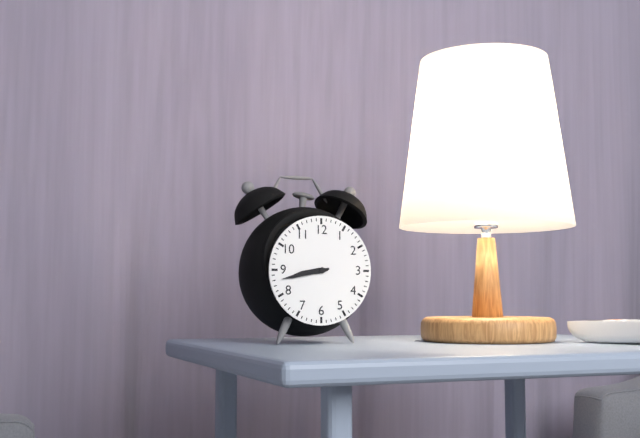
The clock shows 8.43
